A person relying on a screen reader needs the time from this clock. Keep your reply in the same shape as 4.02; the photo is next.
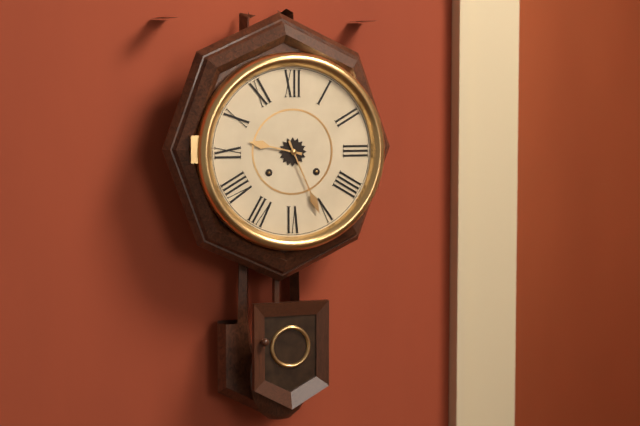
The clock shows 9.26
